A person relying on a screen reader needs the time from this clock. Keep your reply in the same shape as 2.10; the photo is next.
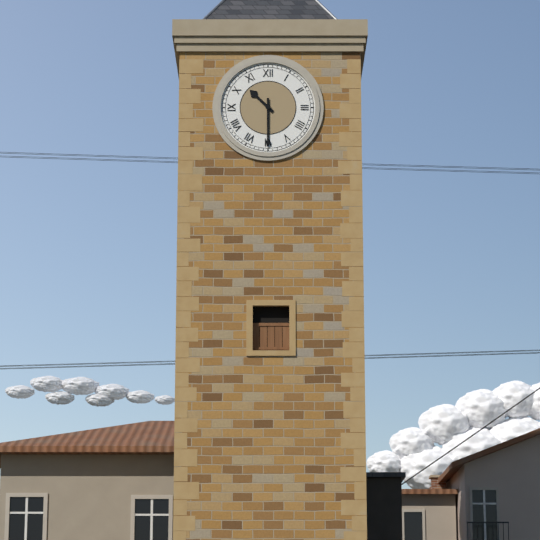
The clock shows 10.30
